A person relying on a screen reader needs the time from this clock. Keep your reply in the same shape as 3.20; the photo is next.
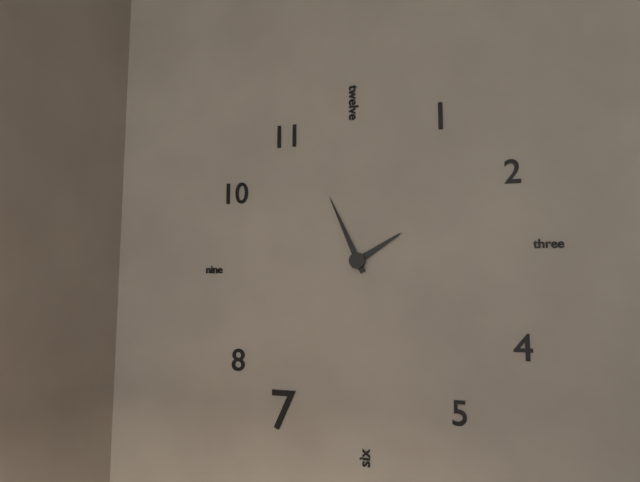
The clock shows 1.56
